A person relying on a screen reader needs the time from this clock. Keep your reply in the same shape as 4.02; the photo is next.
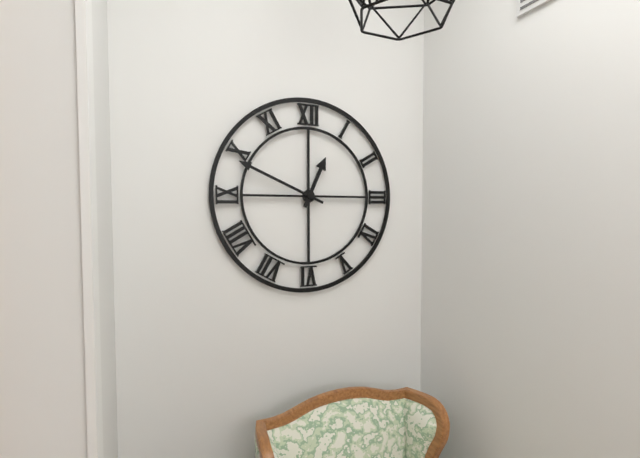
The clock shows 12.49
